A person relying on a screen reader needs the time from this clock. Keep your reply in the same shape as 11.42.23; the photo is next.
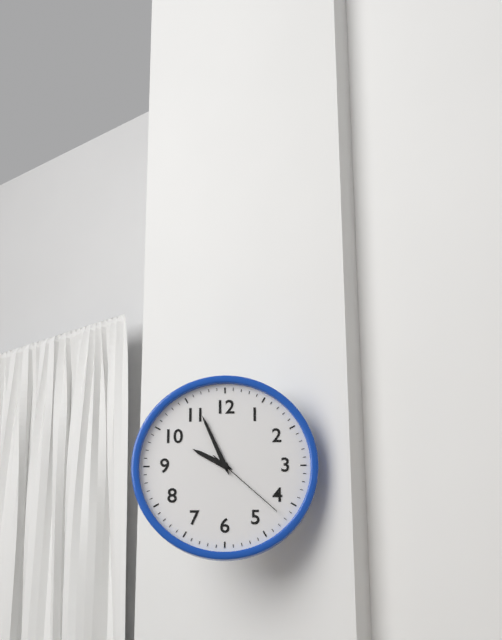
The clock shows 9.56.22
